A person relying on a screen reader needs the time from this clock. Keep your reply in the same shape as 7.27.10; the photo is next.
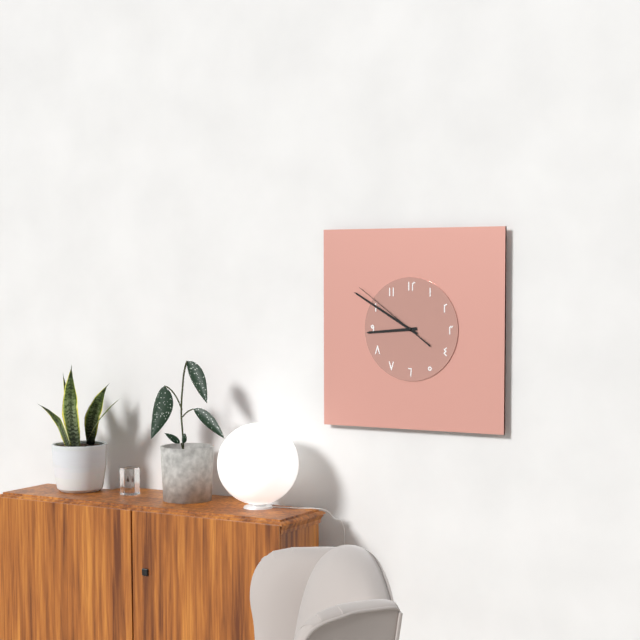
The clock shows 8.50.51
